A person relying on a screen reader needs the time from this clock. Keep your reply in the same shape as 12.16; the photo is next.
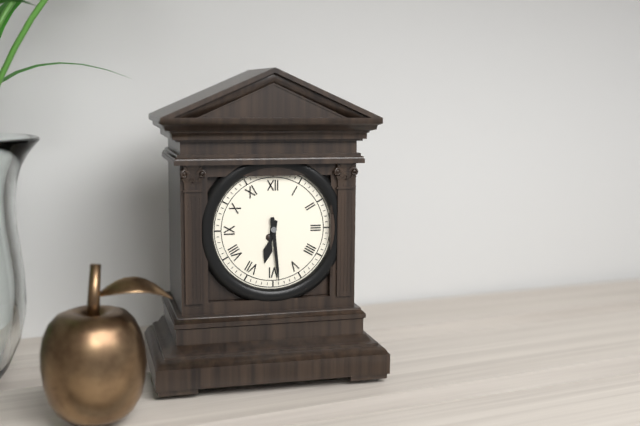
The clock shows 6.29
